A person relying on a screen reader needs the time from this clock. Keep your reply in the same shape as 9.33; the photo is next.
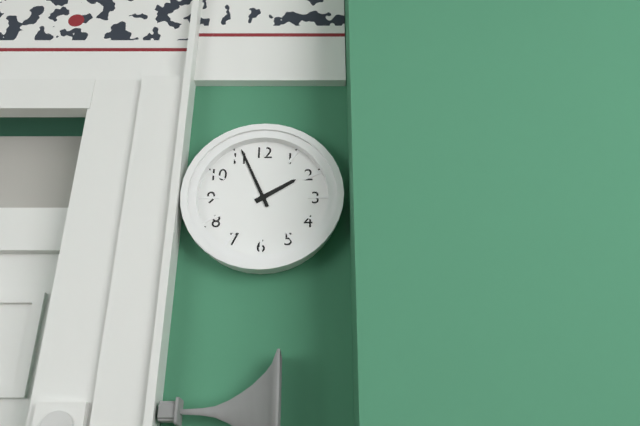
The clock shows 1.56
